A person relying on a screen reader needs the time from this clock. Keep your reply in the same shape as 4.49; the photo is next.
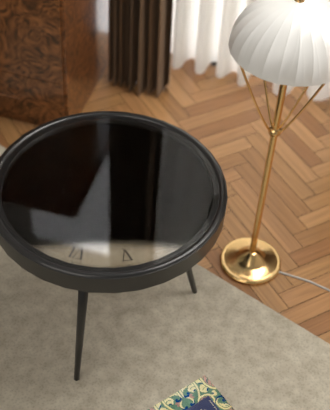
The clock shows 9.31
